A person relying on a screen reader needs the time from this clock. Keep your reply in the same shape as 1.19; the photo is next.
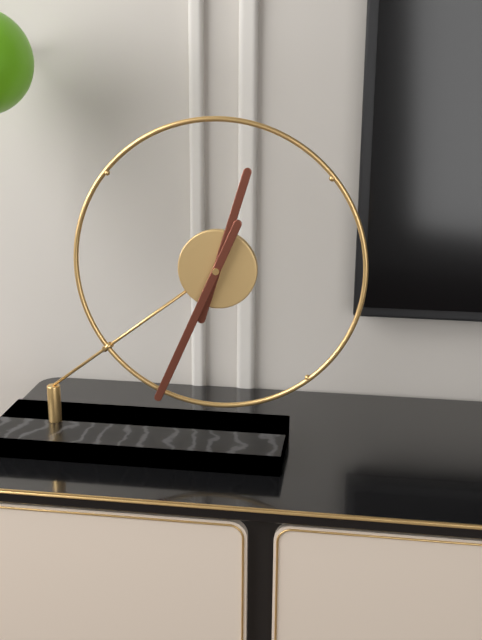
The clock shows 12.34
